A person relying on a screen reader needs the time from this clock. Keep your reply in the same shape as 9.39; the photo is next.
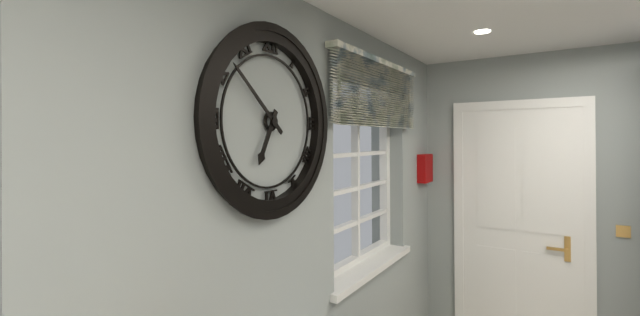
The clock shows 6.52
